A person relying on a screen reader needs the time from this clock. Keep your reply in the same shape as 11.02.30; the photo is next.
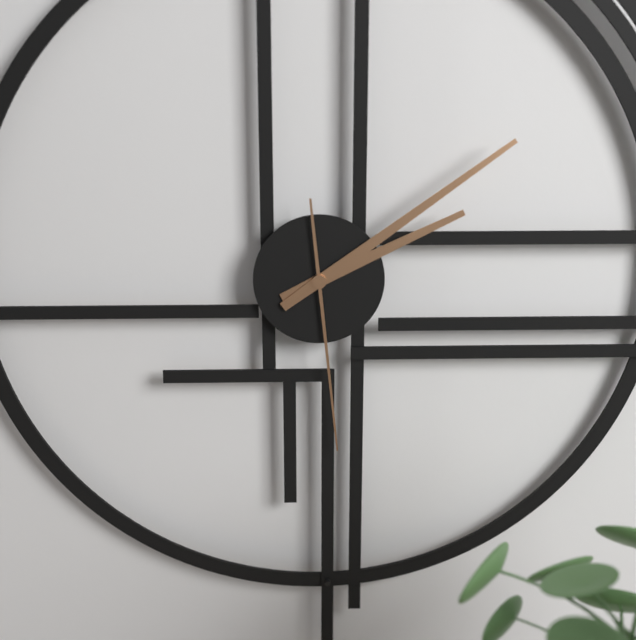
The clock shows 2.09.29
